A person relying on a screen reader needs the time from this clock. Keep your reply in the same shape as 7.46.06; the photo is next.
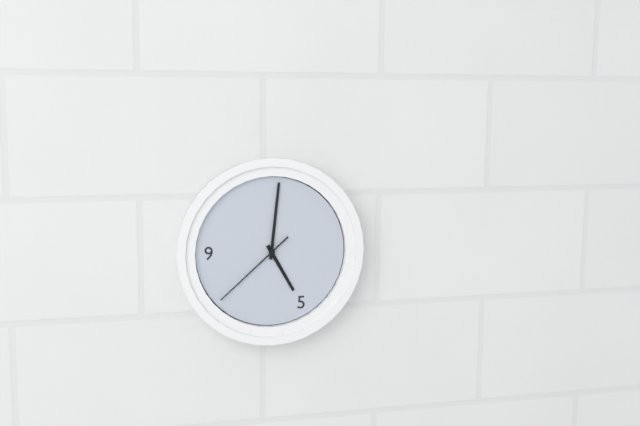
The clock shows 5.01.38
